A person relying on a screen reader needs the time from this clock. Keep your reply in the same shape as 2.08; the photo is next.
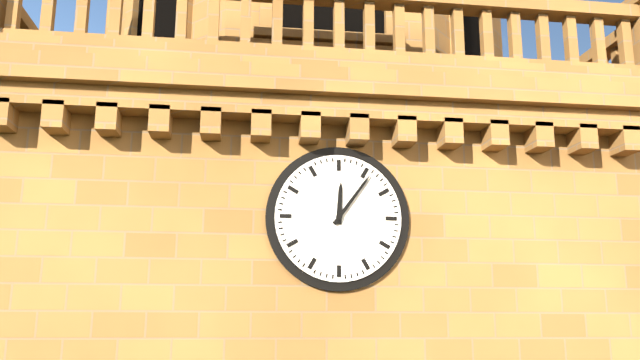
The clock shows 12.06
